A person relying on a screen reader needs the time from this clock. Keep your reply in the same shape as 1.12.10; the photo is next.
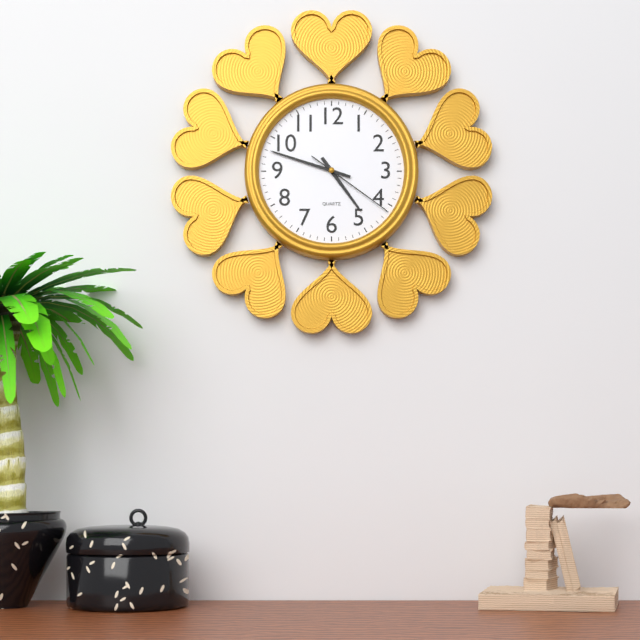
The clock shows 4.48.21
